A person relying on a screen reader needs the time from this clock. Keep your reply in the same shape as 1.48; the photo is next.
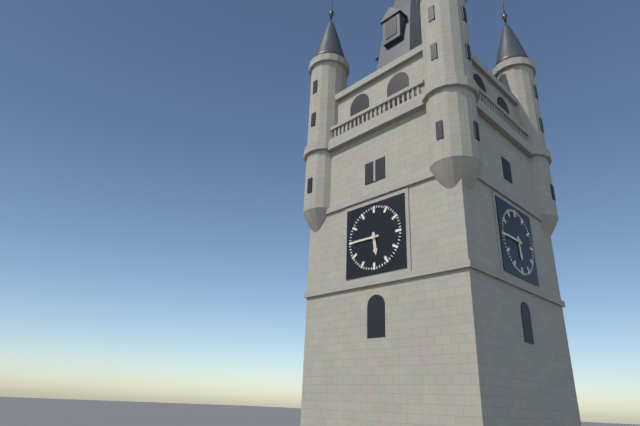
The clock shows 5.45
